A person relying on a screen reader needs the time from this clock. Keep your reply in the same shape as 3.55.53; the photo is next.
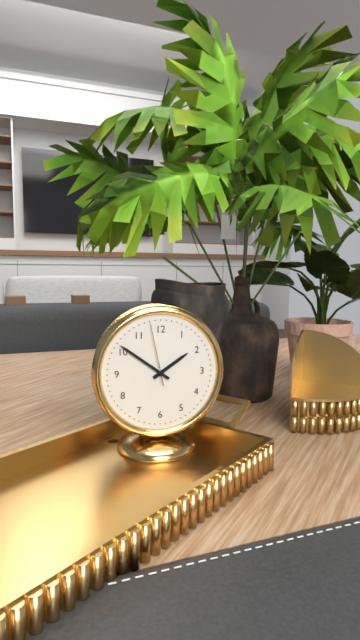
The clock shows 1.51.58
